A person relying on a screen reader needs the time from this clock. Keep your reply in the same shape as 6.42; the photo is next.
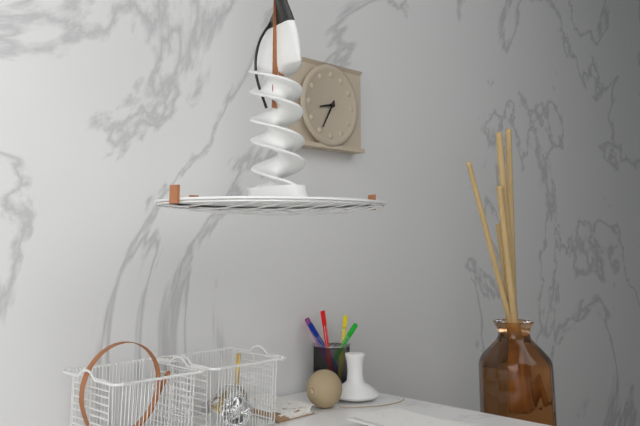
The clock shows 8.35
